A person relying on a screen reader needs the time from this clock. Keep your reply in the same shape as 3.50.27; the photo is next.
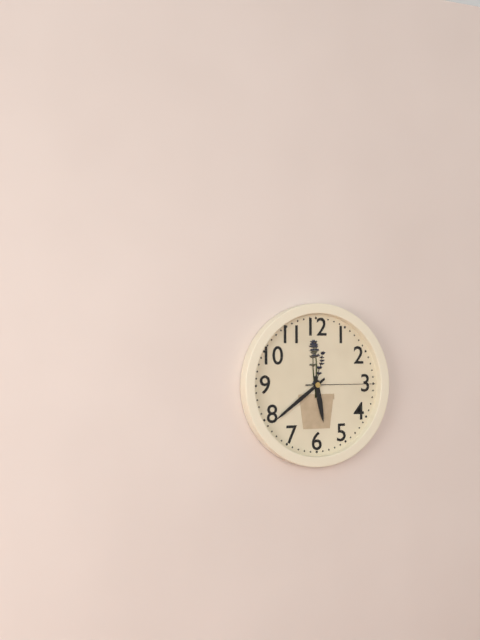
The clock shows 5.39.15
